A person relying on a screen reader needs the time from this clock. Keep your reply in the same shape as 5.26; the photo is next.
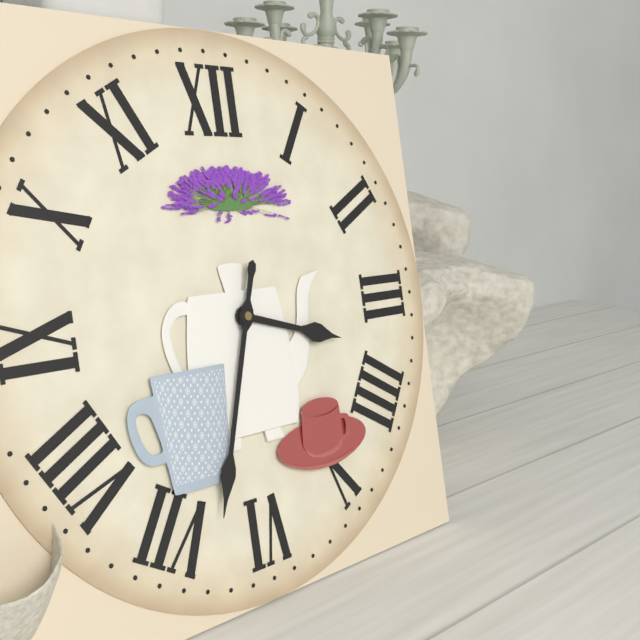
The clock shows 3.33
